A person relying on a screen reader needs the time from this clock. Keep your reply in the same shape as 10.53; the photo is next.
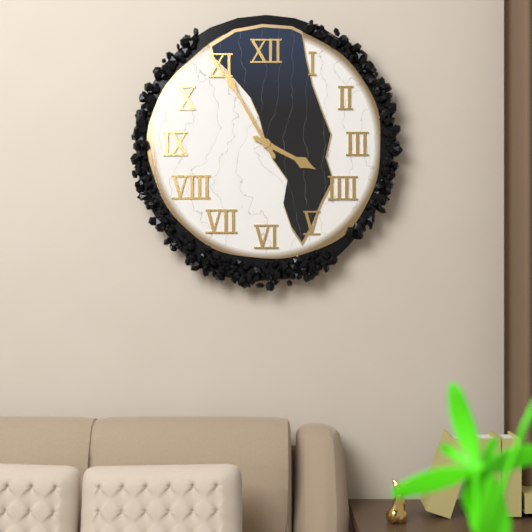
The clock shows 3.55
